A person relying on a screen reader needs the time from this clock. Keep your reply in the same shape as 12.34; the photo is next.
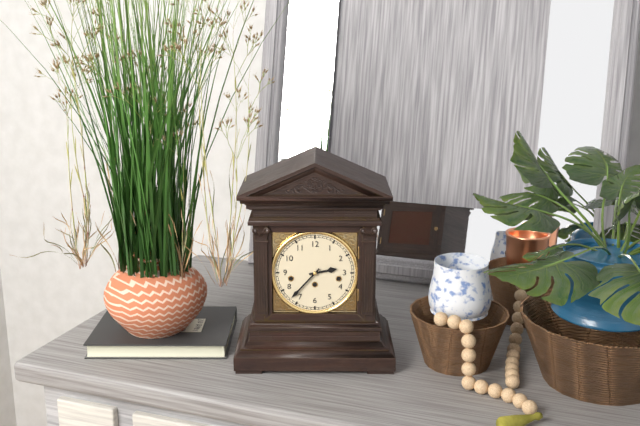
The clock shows 2.37
